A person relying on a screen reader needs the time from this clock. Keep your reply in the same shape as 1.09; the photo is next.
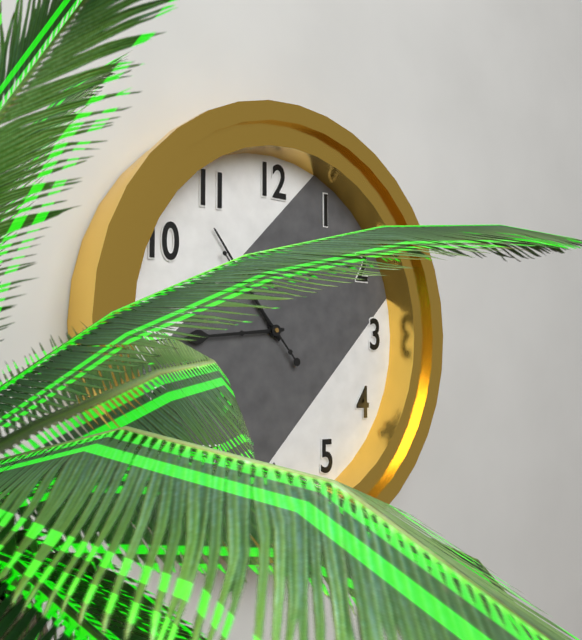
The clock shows 10.44
